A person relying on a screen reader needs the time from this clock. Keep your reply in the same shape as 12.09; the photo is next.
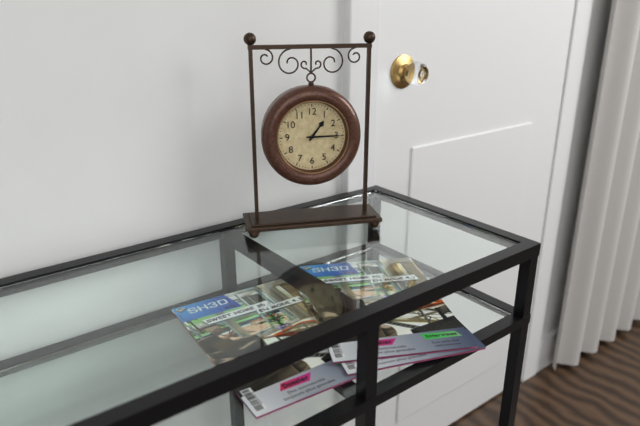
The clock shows 1.15
